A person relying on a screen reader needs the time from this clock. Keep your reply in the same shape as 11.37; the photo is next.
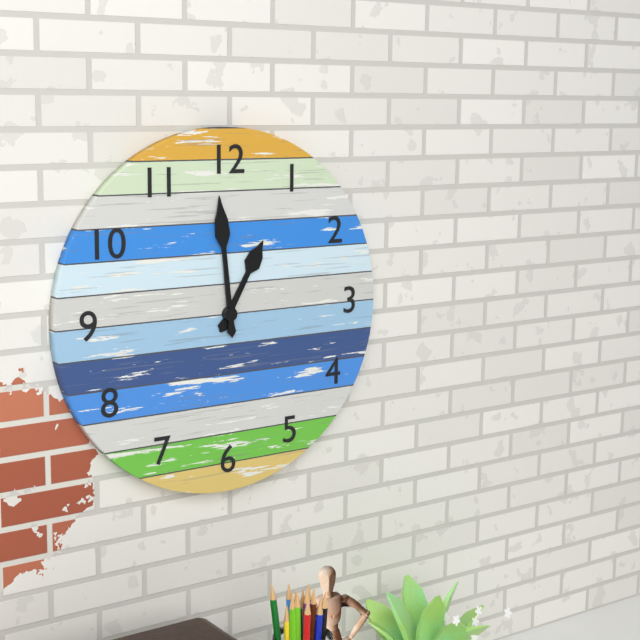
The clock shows 12.59
